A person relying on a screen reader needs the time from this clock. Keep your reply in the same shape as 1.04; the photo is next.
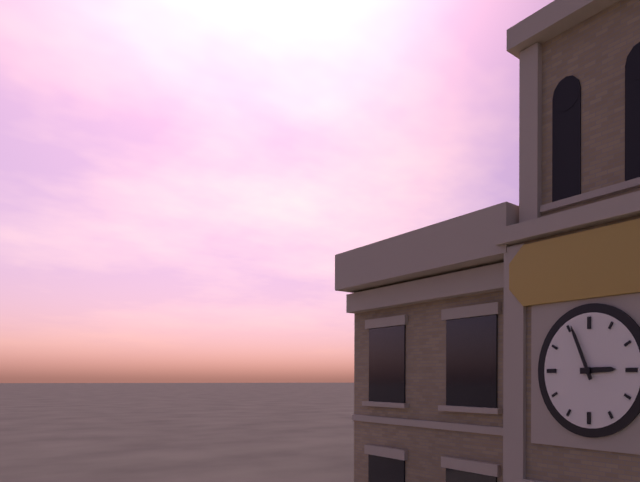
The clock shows 2.56
